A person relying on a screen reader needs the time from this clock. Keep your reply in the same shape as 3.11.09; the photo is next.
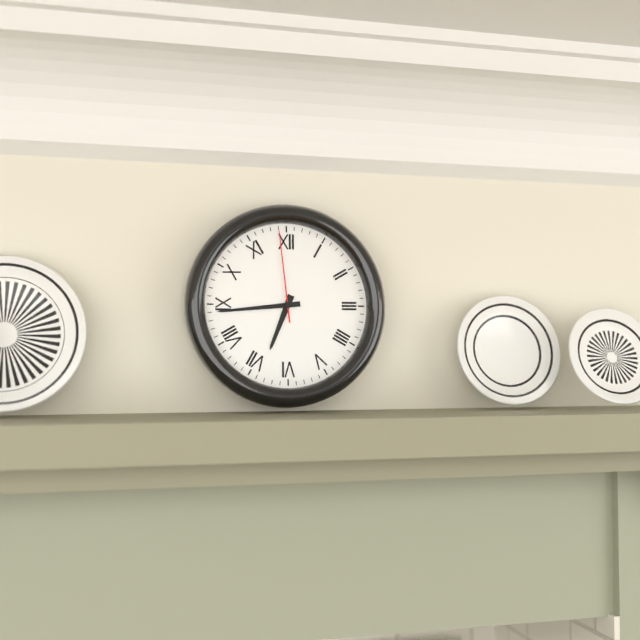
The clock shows 6.44.59
